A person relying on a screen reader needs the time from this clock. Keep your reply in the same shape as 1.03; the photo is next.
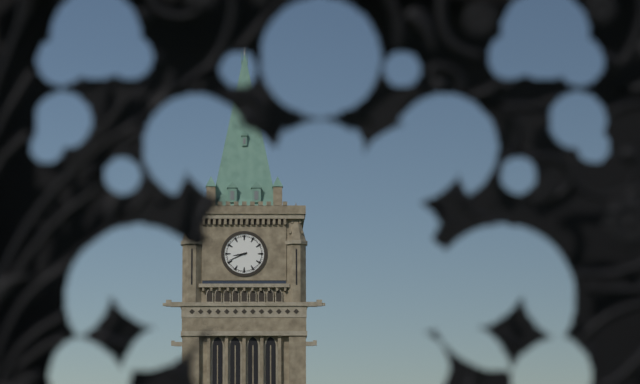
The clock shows 8.41
